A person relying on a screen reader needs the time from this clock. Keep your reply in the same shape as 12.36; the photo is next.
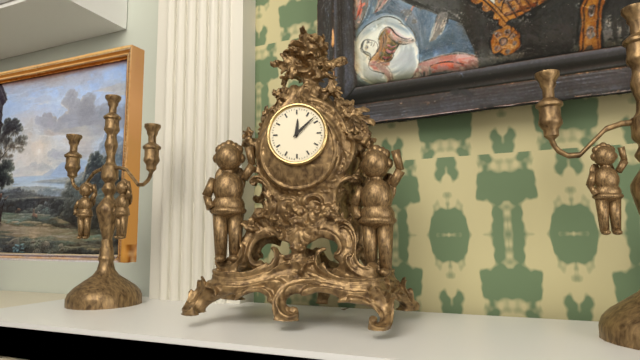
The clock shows 12.08
